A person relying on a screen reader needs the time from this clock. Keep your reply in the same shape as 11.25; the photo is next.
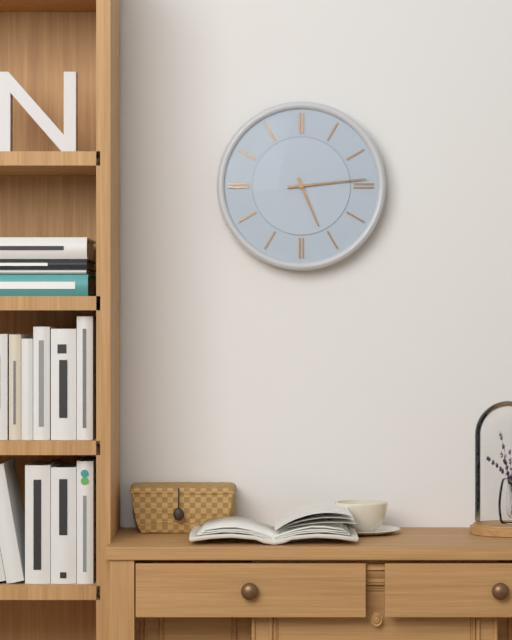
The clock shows 5.14
